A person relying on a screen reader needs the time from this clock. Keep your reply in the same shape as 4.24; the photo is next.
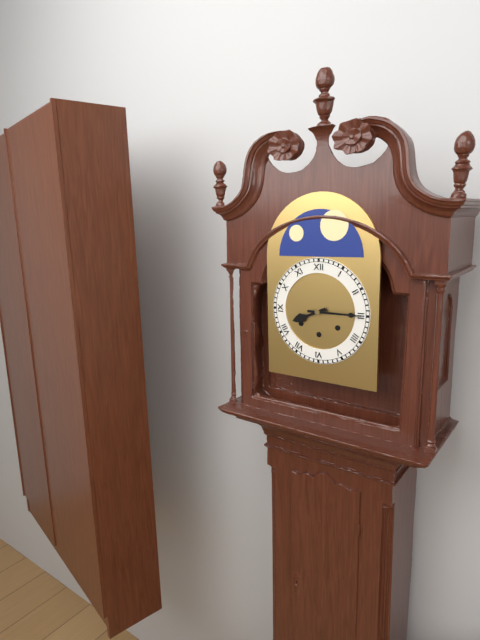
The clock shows 8.15
